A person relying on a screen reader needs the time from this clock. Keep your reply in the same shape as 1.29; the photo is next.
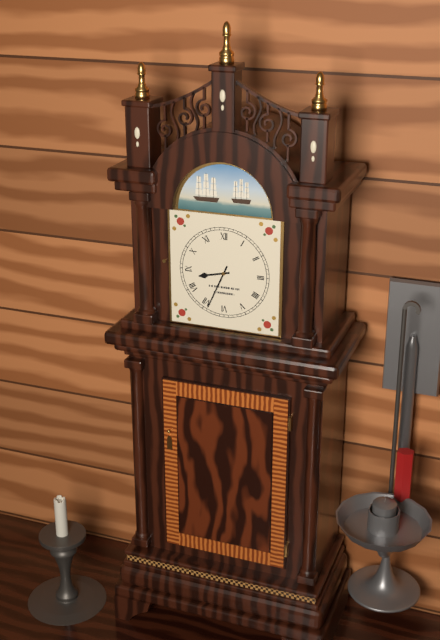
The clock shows 8.34
